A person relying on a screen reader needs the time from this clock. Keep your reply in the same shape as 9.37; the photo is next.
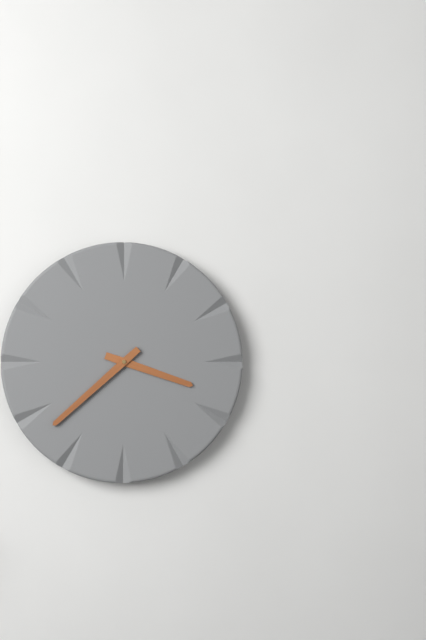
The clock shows 3.38
